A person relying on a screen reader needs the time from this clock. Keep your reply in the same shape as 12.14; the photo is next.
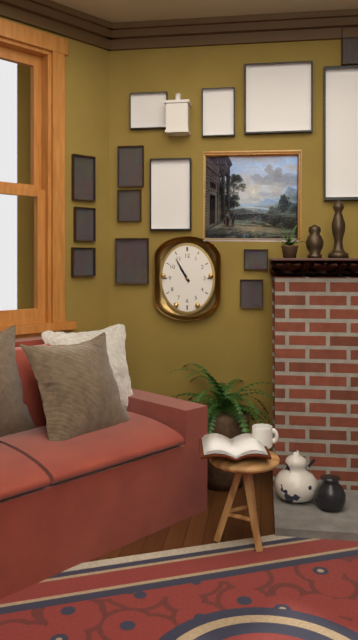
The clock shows 10.55
